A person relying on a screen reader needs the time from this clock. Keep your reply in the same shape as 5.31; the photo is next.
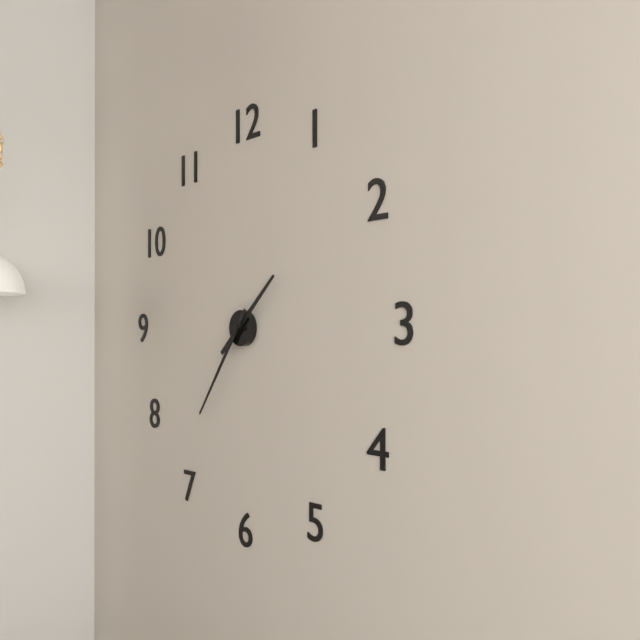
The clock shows 1.36
